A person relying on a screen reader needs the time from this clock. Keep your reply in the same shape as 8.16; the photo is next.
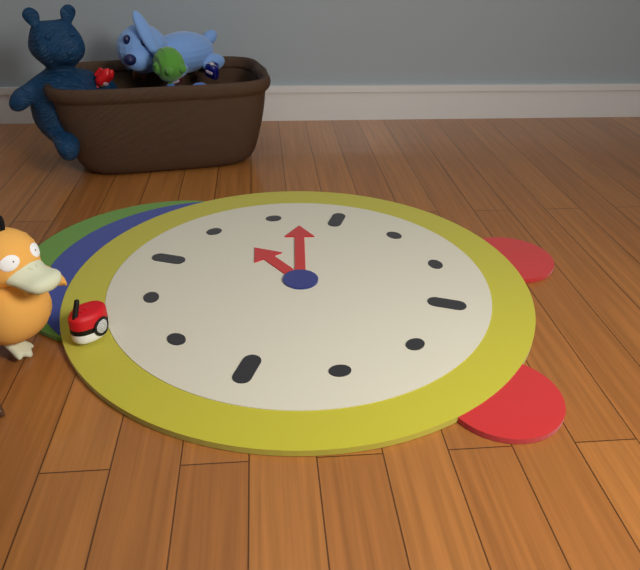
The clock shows 1.12
